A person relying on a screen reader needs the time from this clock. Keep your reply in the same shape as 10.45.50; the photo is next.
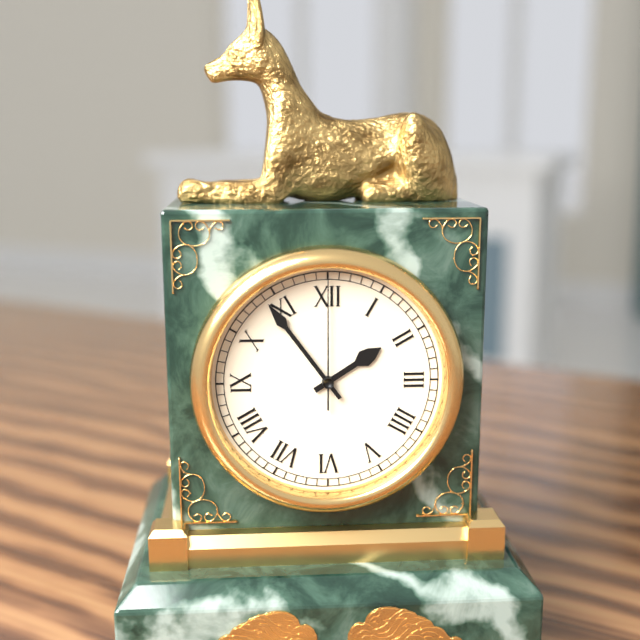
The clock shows 1.54.00
